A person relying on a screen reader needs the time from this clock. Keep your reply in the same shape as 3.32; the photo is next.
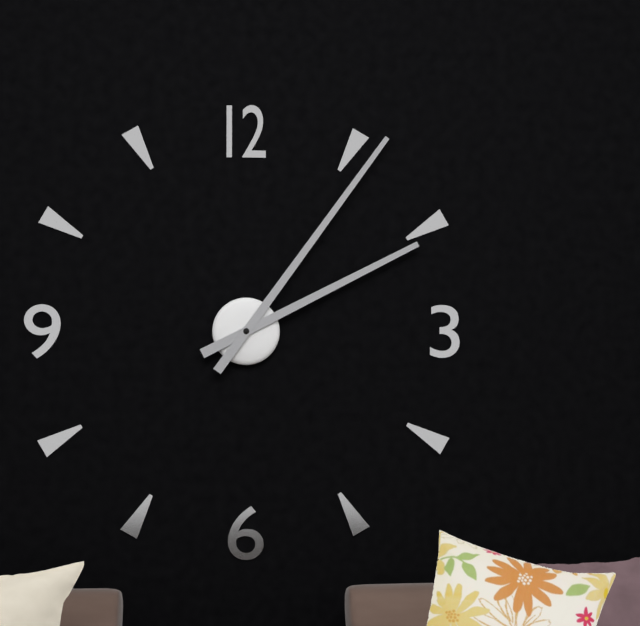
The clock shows 2.06
